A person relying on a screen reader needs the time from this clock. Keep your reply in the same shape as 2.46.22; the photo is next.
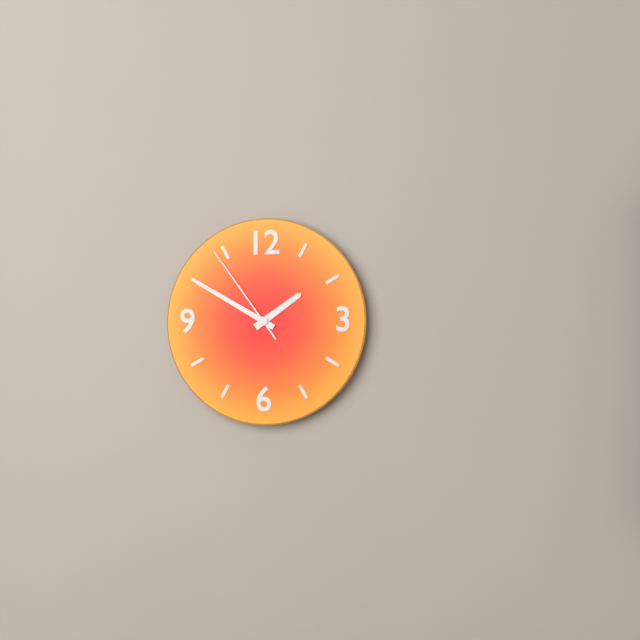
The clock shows 1.50.54
